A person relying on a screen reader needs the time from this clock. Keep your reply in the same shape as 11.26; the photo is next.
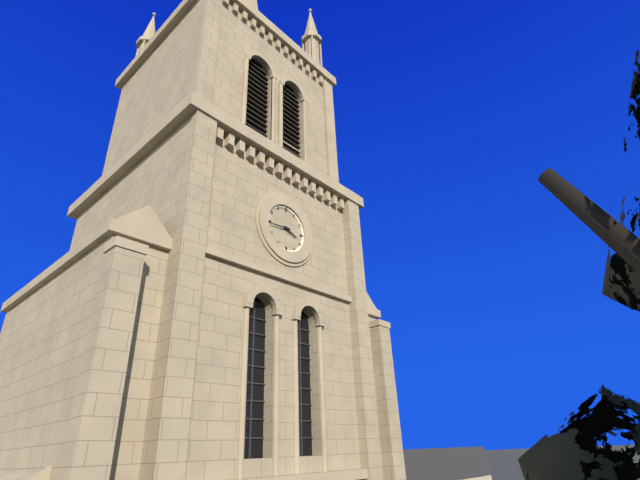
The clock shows 3.44
